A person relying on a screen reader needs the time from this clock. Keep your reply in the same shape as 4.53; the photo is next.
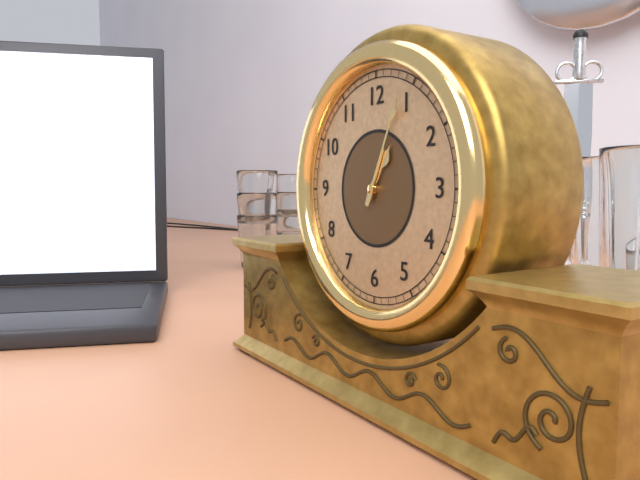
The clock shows 1.04
